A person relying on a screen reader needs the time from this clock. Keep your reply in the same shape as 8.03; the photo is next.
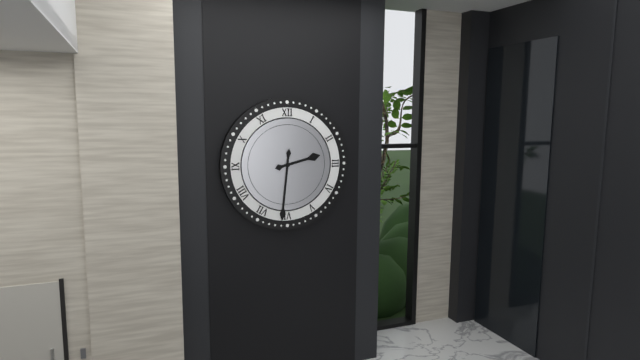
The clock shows 2.31
